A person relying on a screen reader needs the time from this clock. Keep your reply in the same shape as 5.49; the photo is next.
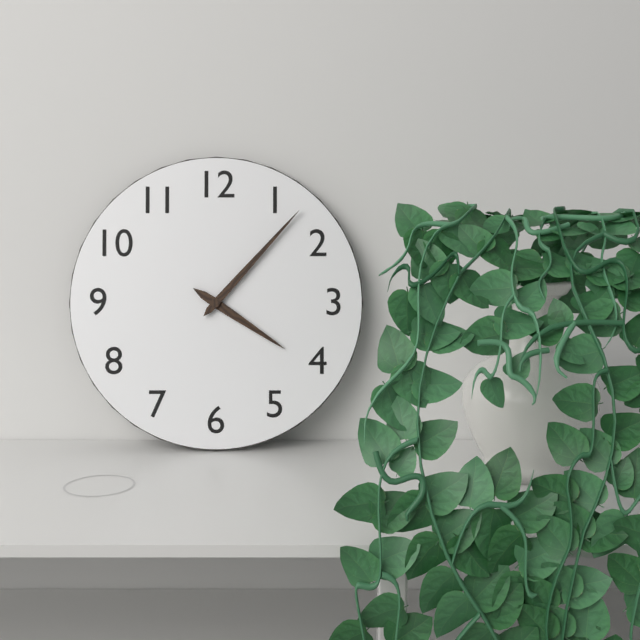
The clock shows 4.07
